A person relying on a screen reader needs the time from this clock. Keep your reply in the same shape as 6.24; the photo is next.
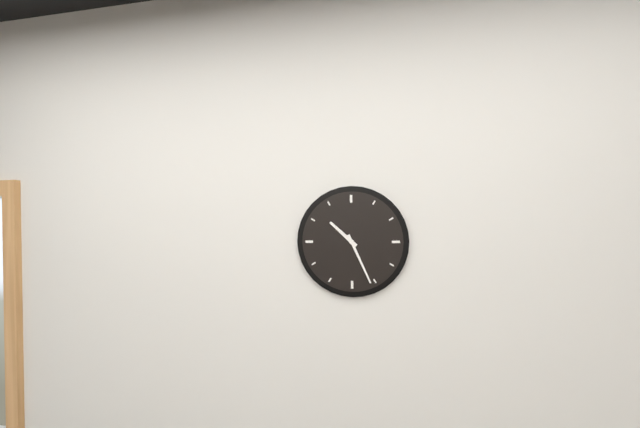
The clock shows 10.26
